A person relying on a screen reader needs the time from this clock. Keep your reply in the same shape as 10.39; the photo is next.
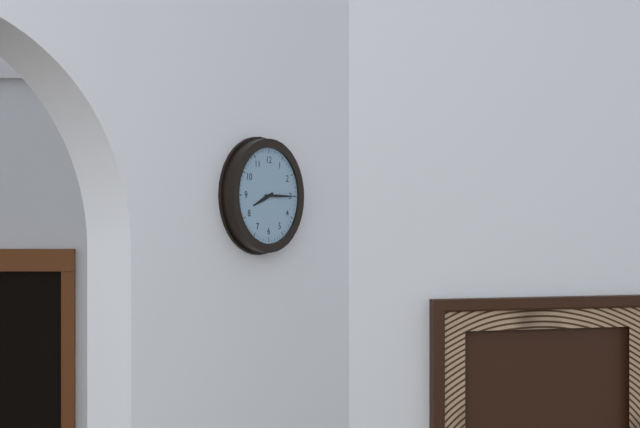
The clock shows 8.15
